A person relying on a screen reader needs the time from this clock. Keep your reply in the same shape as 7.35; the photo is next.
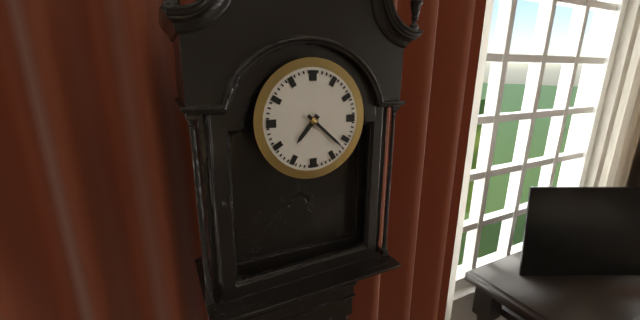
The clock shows 7.22
